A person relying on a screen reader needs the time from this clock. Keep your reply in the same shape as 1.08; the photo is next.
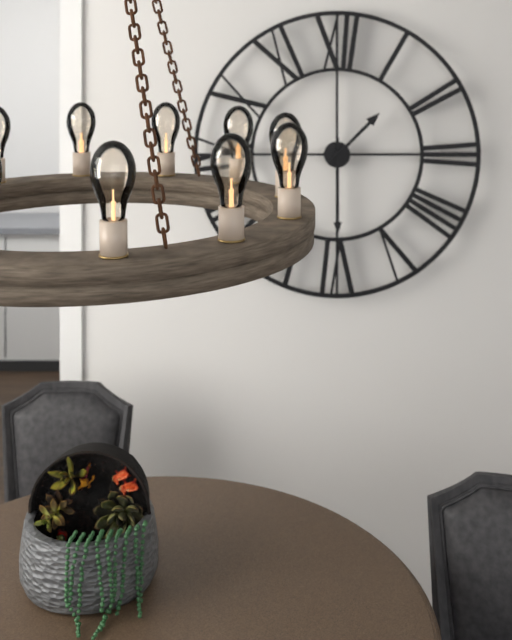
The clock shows 1.30
